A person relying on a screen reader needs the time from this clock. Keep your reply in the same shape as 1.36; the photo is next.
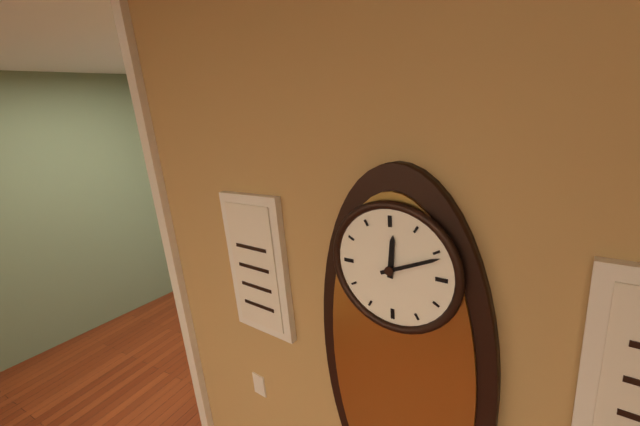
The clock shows 12.11
